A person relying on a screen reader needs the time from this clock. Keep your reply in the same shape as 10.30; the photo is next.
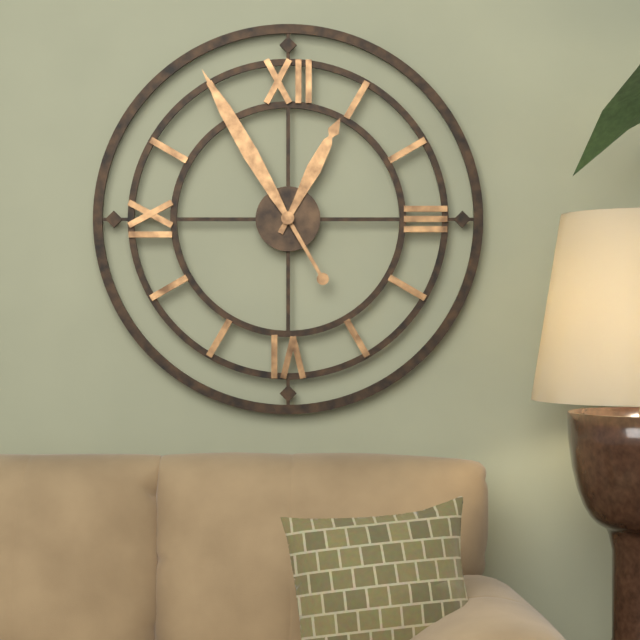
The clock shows 12.55
